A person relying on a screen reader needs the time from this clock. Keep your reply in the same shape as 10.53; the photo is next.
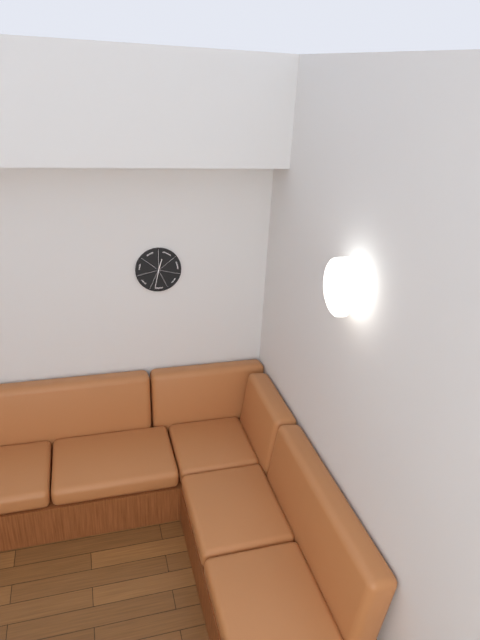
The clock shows 12.32
